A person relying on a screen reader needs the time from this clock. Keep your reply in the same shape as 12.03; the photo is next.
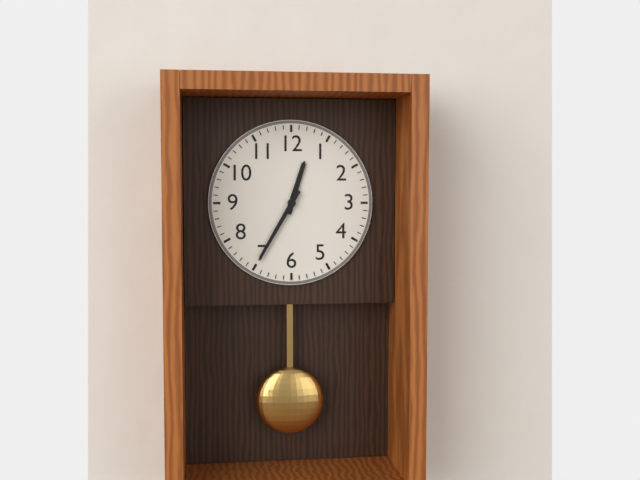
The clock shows 12.35
